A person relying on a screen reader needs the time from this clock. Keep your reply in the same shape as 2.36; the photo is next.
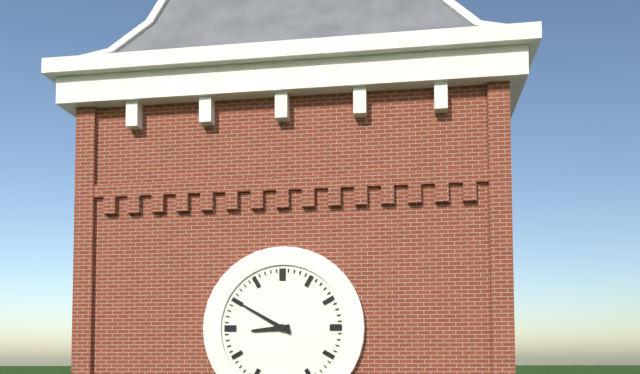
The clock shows 8.50
